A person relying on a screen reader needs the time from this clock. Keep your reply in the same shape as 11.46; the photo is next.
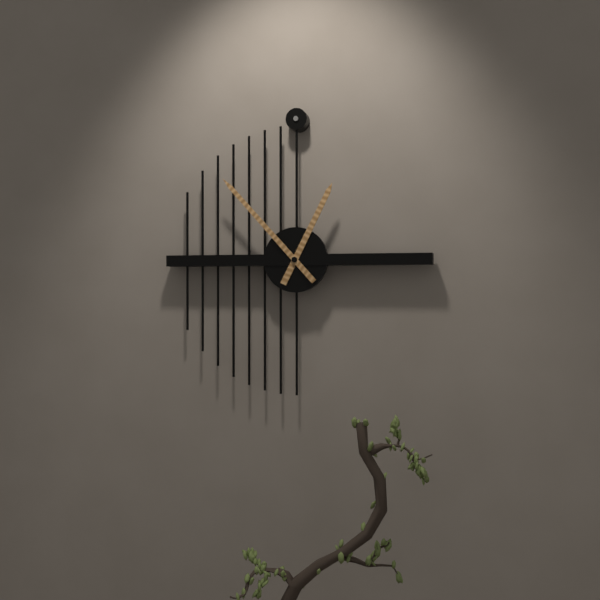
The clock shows 12.53
